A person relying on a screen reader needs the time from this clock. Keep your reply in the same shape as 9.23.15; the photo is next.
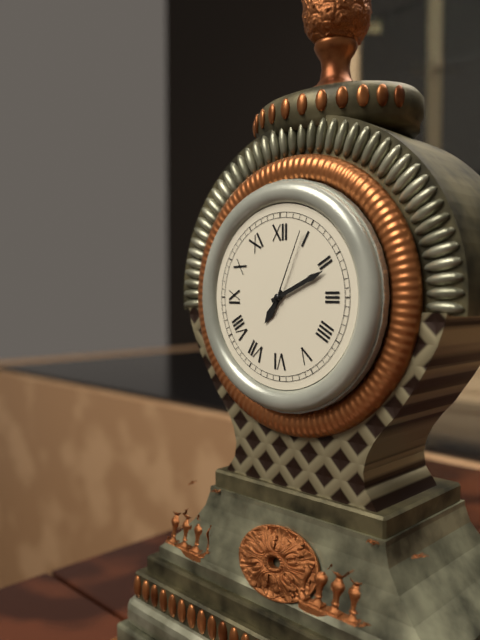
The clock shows 7.11.04
